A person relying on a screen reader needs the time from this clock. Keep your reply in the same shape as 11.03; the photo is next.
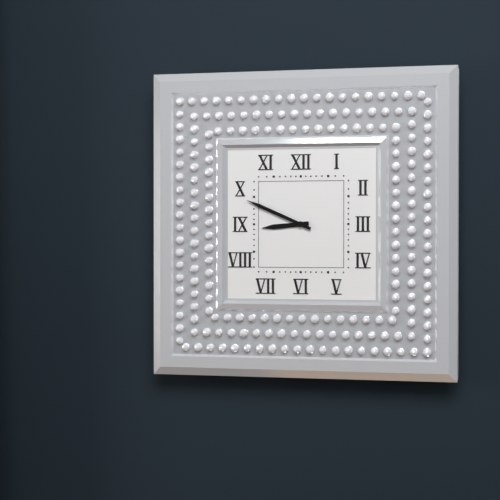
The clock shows 8.49
